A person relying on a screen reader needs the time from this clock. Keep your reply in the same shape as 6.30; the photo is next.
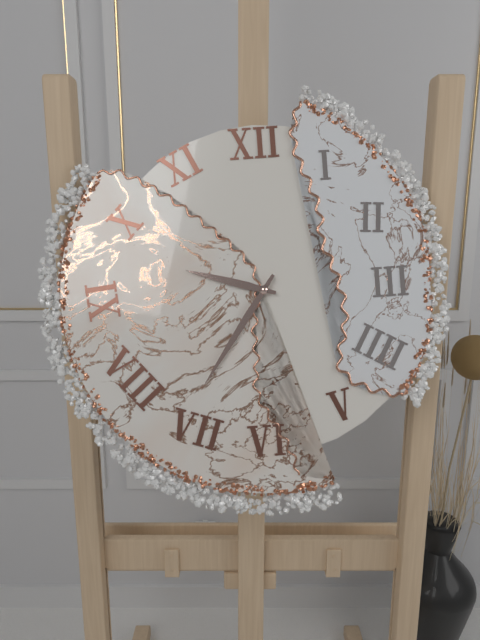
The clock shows 9.36
